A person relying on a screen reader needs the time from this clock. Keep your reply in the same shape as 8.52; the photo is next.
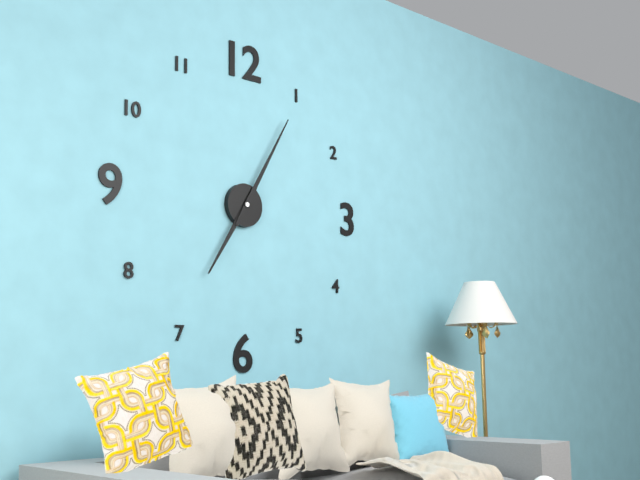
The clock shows 7.05
